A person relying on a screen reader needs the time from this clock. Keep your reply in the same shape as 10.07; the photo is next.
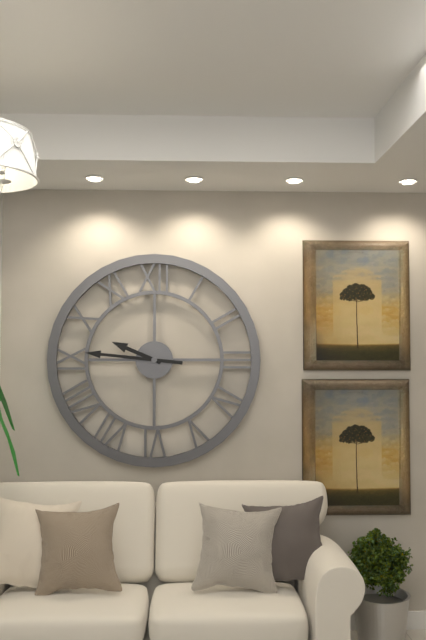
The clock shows 9.46
